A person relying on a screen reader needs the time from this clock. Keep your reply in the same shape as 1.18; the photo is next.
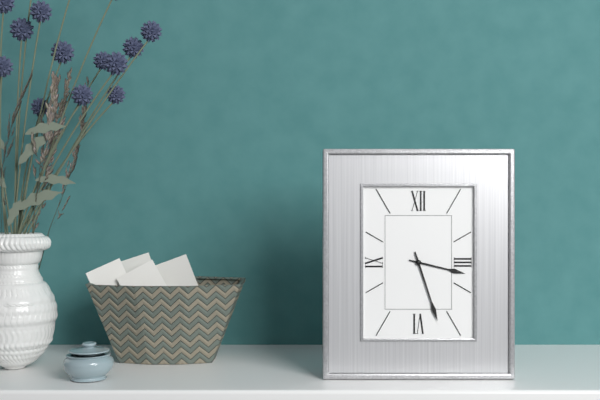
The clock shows 3.27
